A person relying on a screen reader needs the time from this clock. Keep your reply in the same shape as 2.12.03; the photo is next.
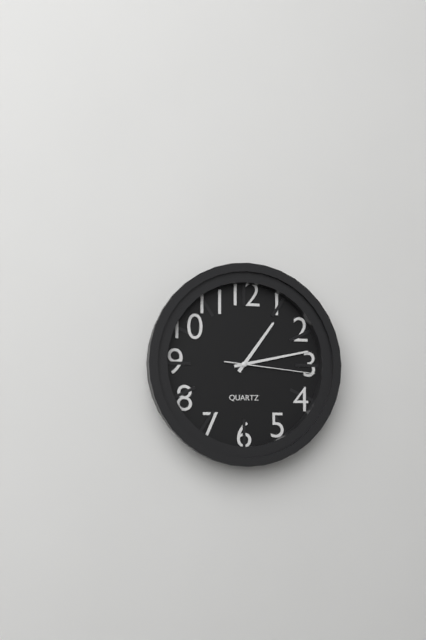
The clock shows 1.13.16
